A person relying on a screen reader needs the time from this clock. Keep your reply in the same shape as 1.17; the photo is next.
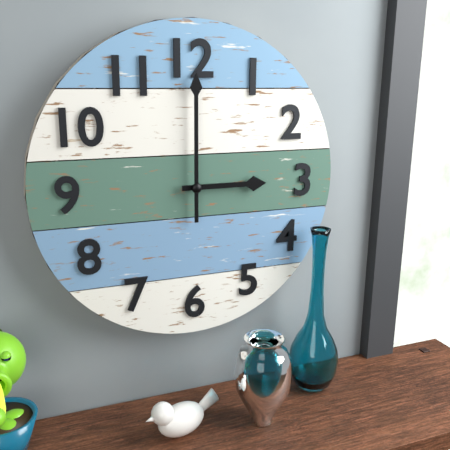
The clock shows 3.00
